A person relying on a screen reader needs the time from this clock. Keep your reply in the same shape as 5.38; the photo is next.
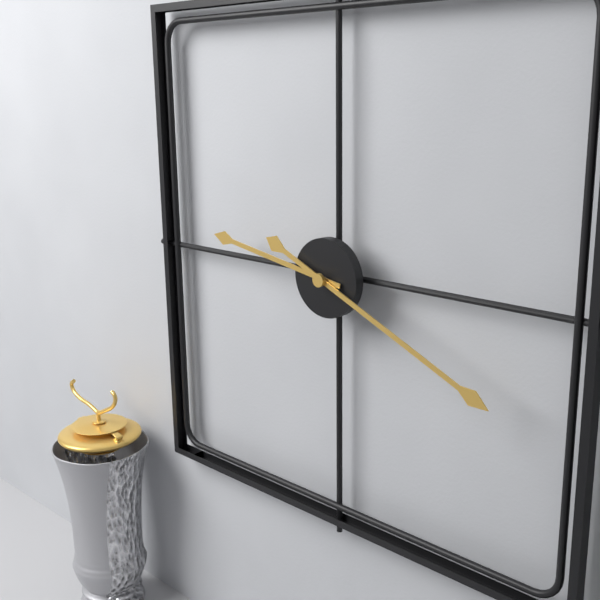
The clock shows 9.19
